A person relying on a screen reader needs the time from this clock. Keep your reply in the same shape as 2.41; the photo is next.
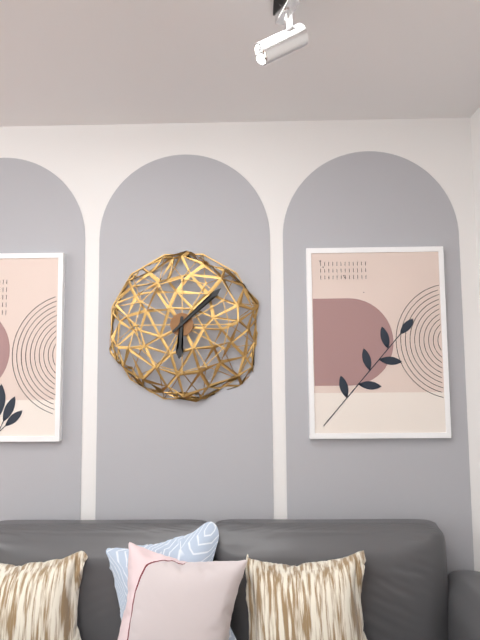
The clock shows 6.08
